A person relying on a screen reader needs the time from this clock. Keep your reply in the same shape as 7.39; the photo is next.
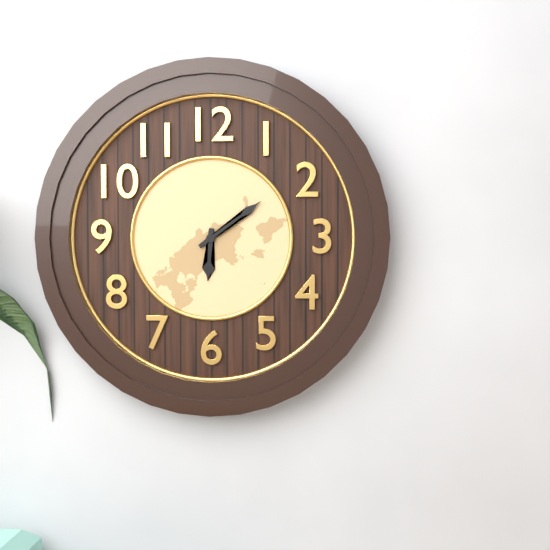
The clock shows 6.09
